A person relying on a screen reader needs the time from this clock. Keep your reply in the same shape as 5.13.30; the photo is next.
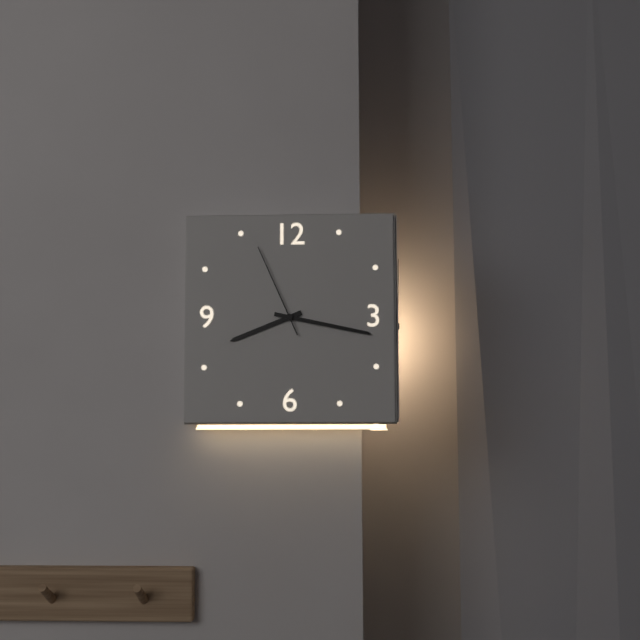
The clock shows 8.17.56
